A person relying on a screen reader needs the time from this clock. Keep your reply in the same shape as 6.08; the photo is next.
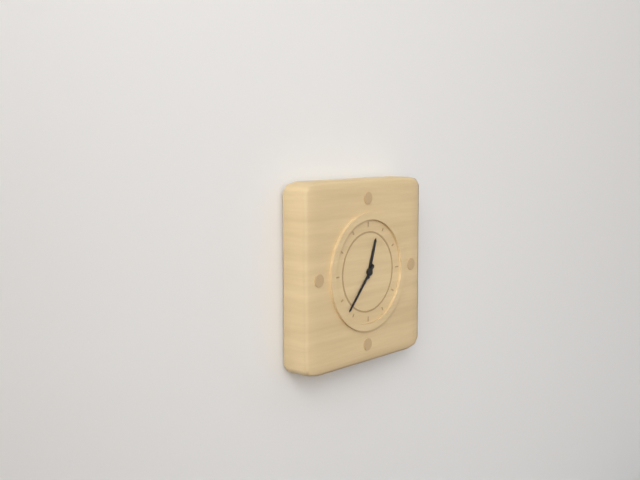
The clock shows 12.37
